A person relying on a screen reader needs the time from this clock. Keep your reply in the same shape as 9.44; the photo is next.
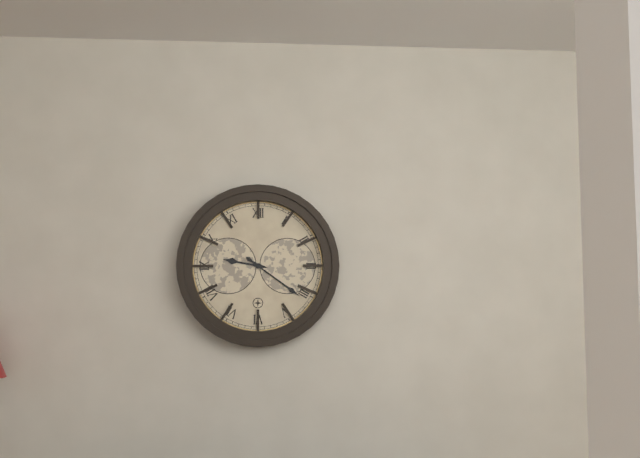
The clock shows 9.21
